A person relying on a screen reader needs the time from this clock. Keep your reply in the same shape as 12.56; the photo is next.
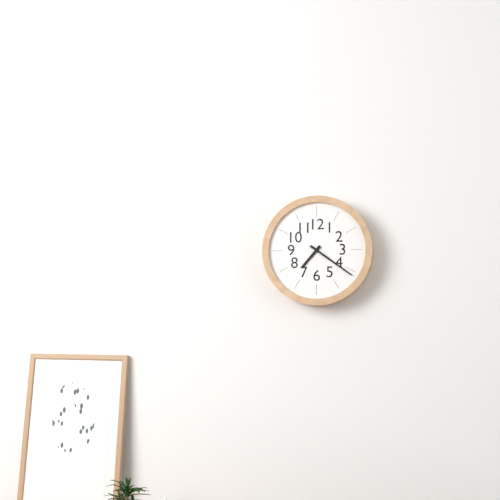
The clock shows 7.21
